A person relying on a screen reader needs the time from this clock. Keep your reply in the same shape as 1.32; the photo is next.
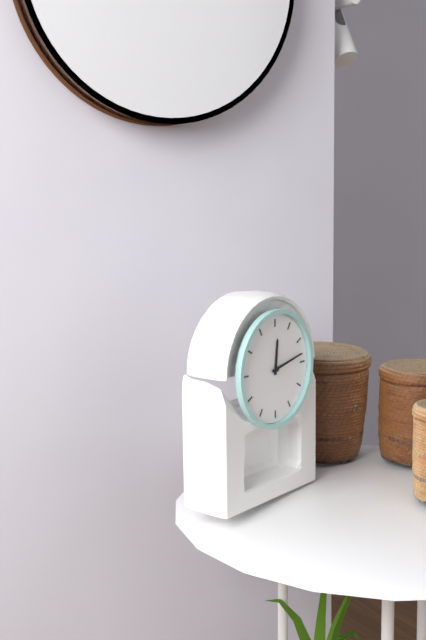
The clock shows 12.13
